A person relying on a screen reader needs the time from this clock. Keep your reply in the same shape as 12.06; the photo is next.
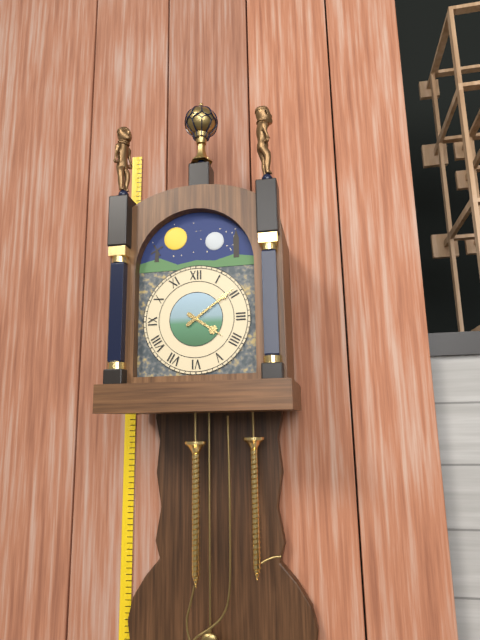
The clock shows 4.09
